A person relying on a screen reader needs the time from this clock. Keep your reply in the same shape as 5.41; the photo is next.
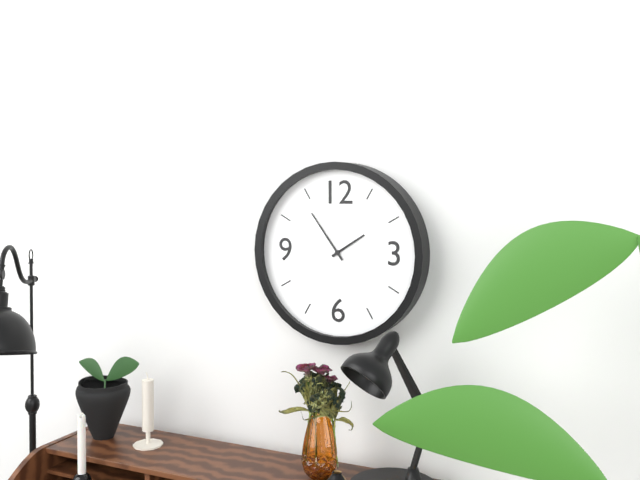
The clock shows 1.54
